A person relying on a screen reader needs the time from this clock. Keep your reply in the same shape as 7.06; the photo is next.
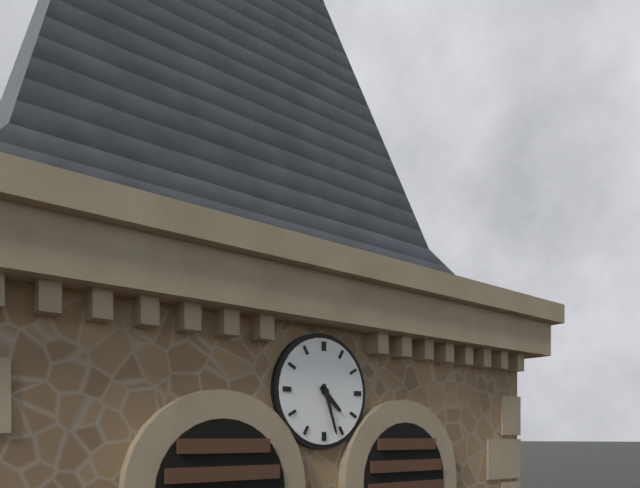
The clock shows 4.27
